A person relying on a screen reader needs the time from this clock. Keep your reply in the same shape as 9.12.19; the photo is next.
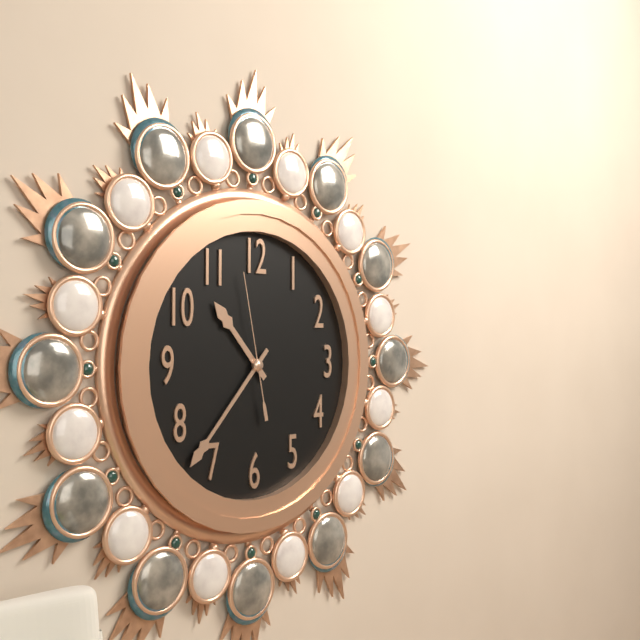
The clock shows 10.37.58
